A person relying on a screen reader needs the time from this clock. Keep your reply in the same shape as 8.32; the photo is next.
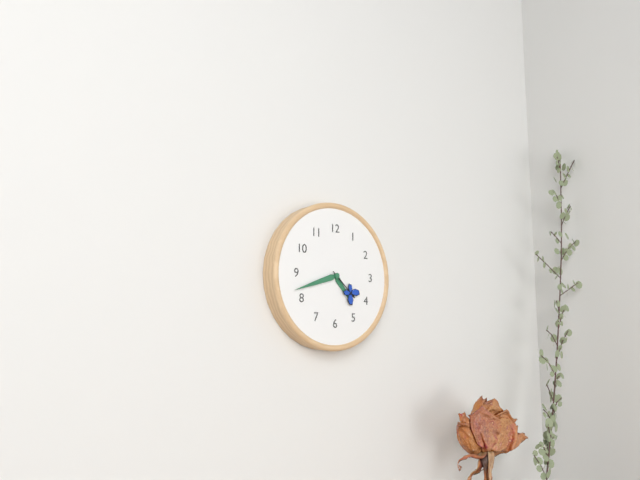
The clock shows 4.42
